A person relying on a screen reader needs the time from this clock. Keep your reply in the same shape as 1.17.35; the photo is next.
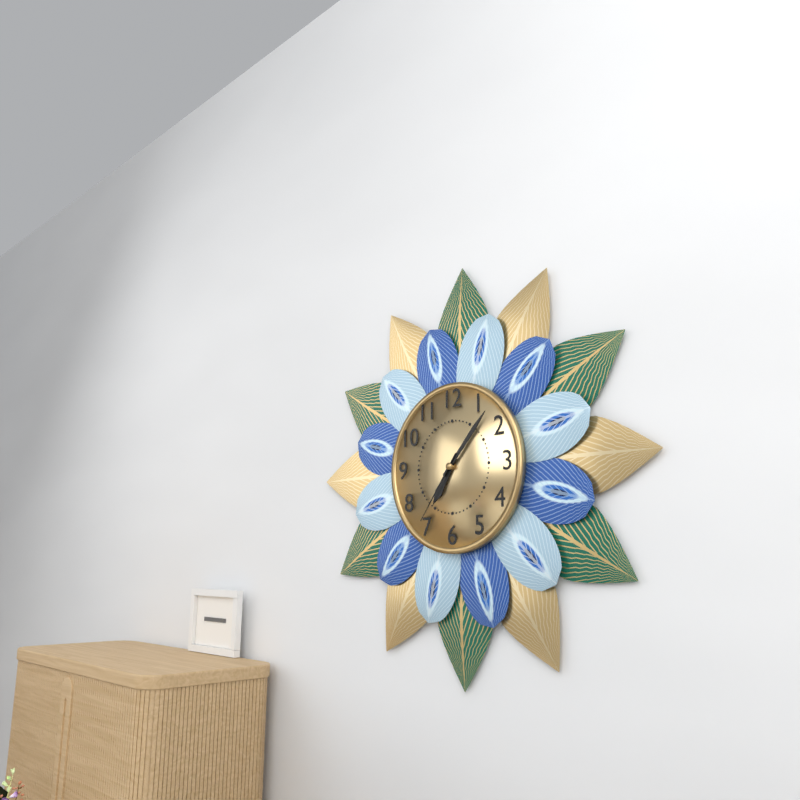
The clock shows 7.07.36
